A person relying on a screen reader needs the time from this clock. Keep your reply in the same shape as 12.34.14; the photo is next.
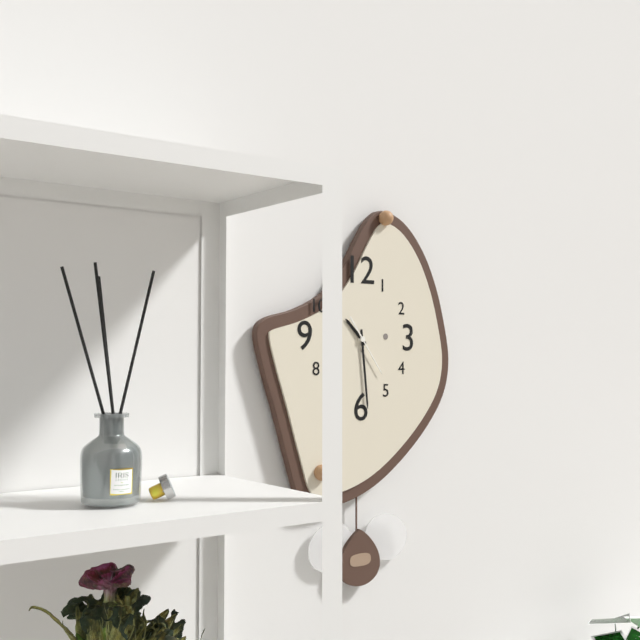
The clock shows 10.29.24
